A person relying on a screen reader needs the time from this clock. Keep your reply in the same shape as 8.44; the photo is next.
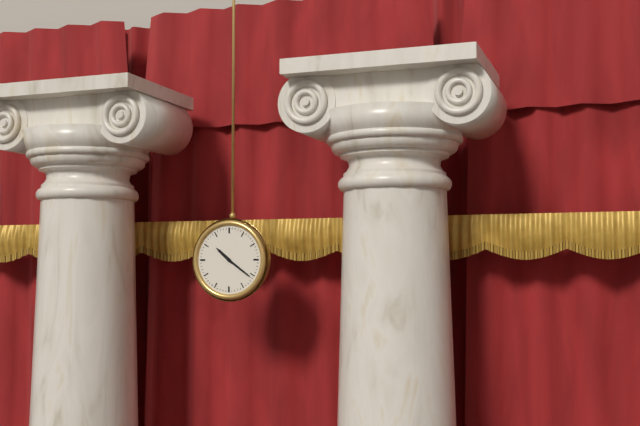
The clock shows 10.21
